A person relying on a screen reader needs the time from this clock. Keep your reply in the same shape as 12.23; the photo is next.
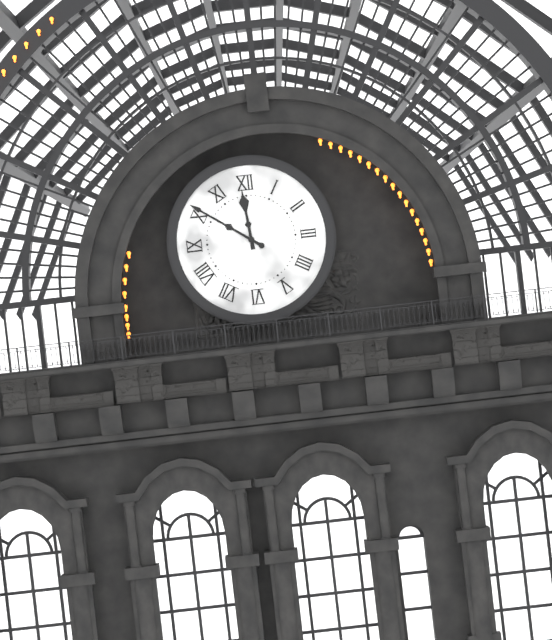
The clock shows 11.51
